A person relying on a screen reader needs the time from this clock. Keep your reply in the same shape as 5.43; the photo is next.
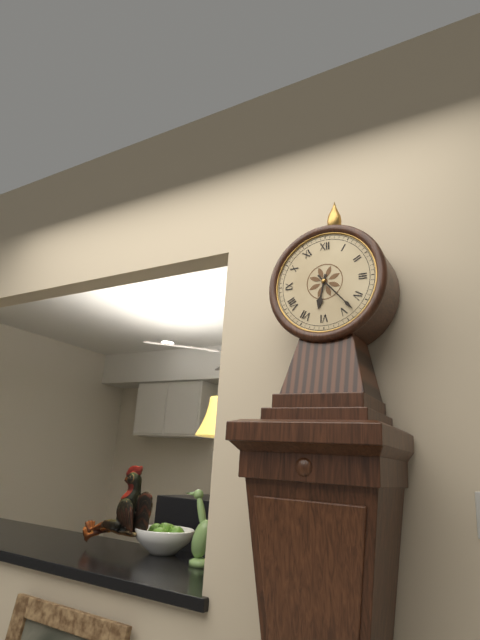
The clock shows 6.23
